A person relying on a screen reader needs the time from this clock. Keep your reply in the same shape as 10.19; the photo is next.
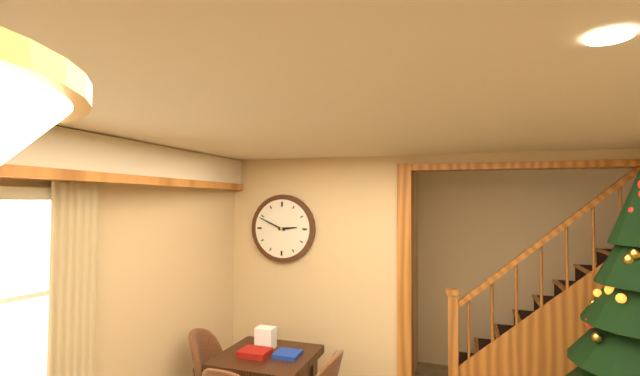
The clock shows 2.49
